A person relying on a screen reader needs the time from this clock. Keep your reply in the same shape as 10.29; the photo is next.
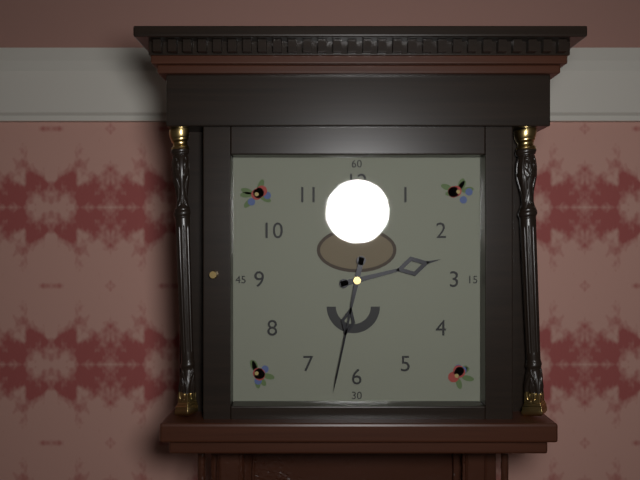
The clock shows 2.32
